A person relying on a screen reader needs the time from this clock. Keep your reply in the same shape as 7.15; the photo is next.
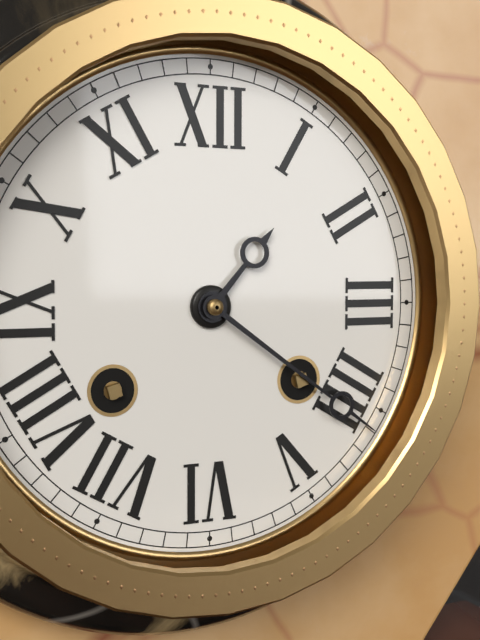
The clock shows 1.21
